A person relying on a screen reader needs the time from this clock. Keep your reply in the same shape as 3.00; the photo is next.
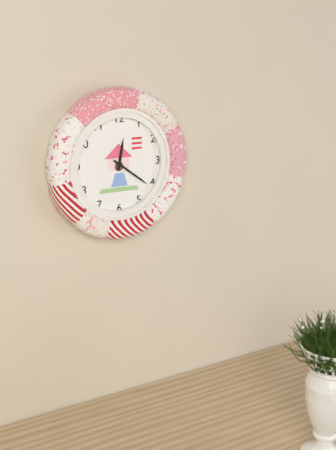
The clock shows 12.21
